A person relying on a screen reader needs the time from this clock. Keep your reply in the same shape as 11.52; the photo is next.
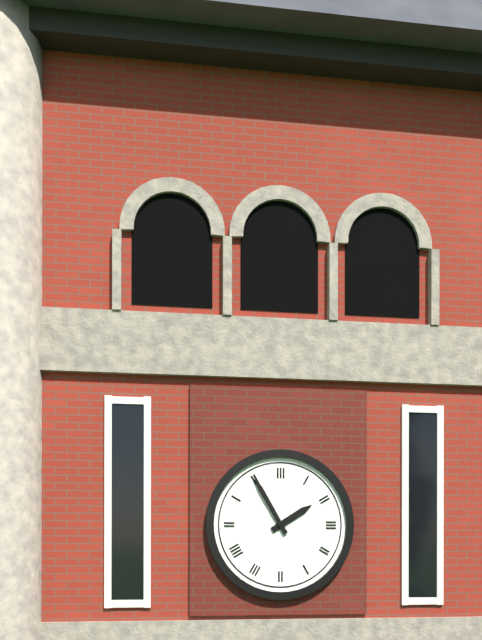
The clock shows 1.55
